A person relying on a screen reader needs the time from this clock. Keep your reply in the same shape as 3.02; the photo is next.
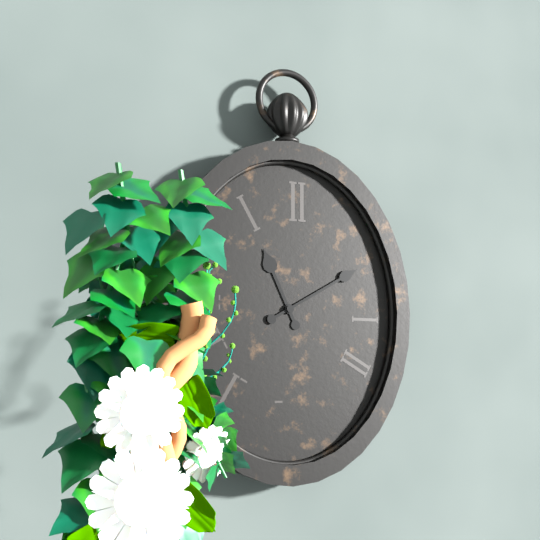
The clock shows 11.10
